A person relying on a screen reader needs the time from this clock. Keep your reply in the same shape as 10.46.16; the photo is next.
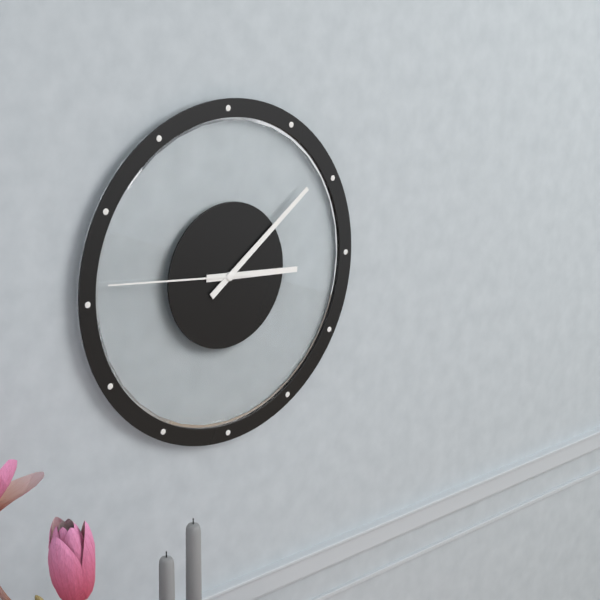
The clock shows 3.09.46
